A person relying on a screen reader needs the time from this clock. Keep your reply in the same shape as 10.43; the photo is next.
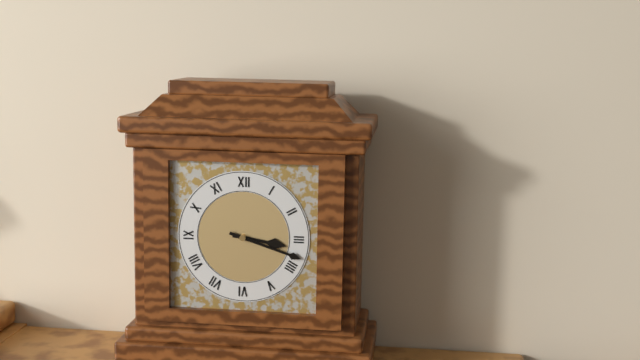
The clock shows 3.18
